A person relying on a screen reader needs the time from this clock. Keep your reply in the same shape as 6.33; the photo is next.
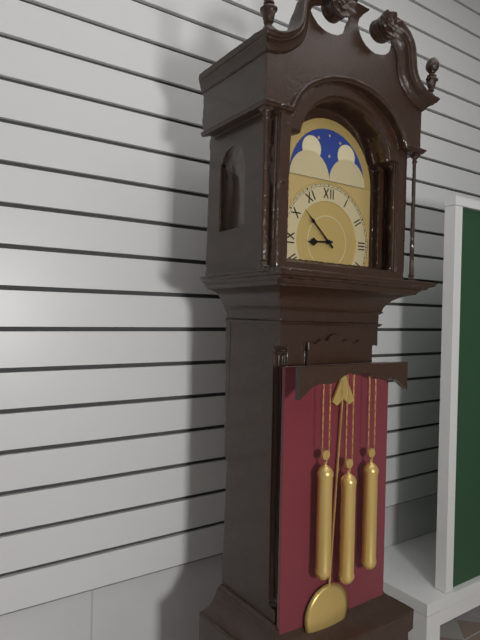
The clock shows 8.52
